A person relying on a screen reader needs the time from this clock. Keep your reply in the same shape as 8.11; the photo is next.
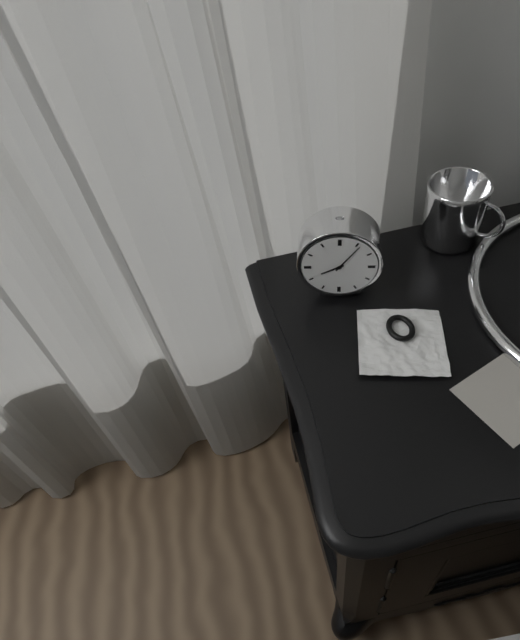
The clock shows 8.06
